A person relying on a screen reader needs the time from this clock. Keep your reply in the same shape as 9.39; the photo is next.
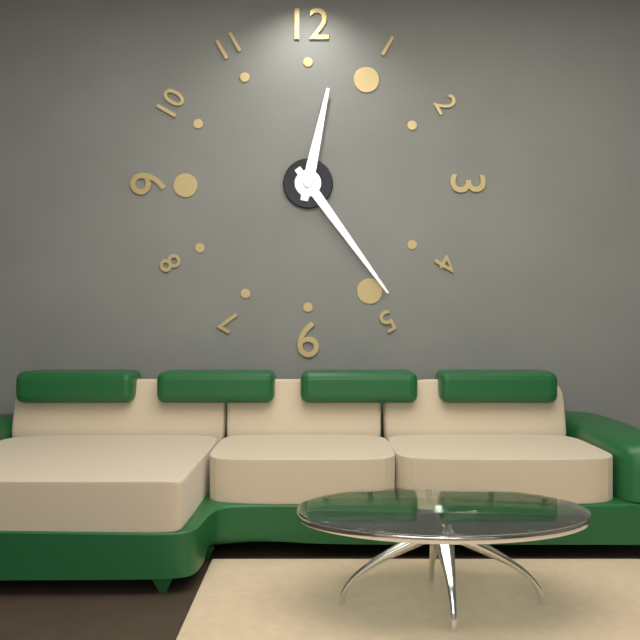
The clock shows 12.24
